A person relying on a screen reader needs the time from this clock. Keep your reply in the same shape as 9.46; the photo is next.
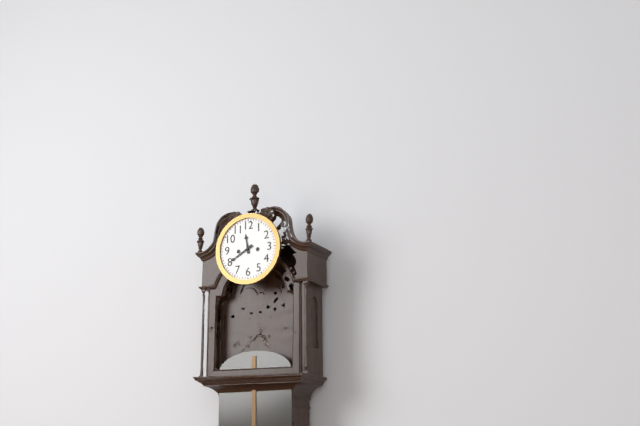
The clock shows 11.40
